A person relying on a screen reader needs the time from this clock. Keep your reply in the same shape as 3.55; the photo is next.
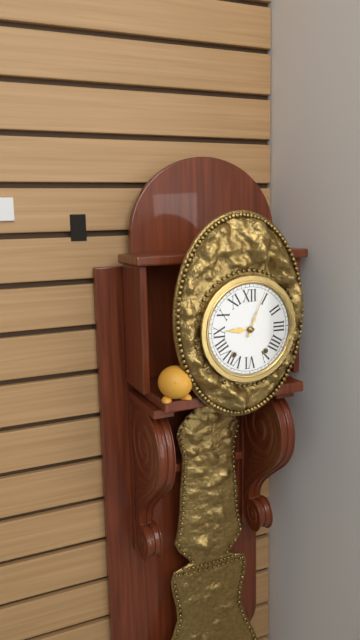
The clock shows 9.04
